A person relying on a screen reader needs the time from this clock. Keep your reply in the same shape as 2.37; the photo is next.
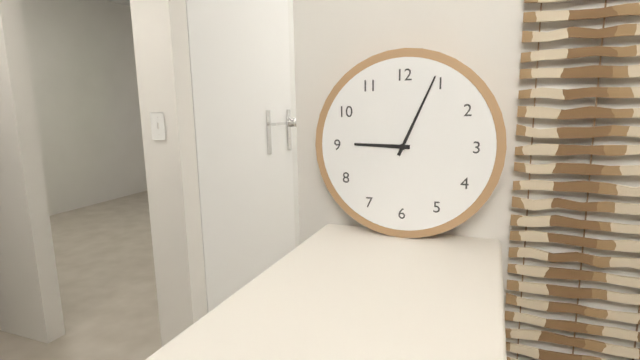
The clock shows 9.04
